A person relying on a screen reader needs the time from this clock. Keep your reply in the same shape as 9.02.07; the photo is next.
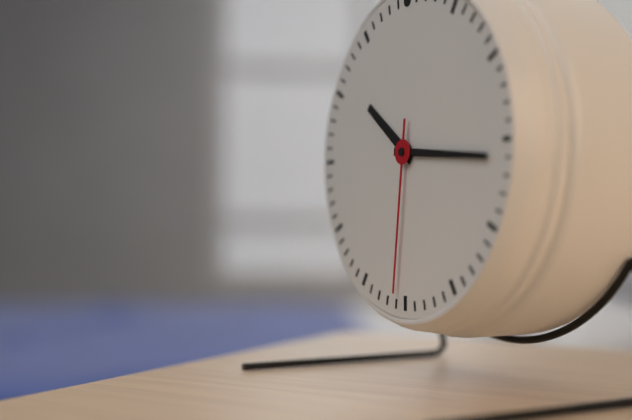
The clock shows 10.16.31
